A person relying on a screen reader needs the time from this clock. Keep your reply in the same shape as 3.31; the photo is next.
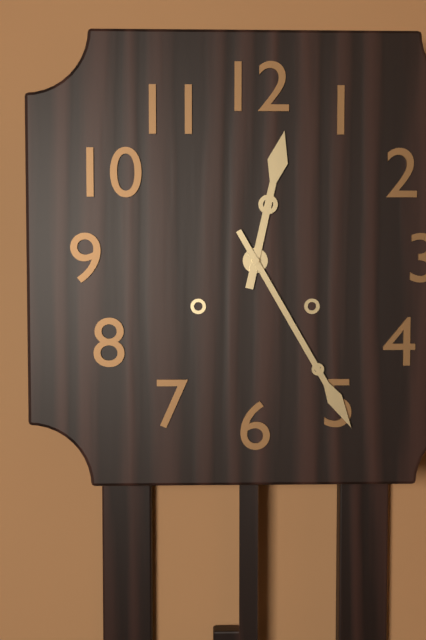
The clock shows 12.25
